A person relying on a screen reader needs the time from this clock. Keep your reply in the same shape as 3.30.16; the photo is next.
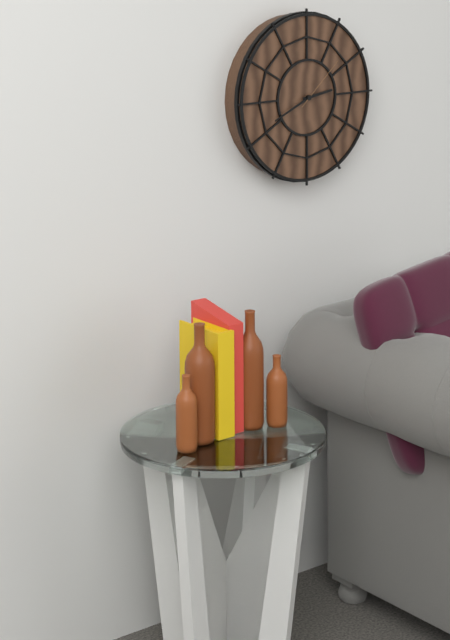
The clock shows 2.41.08
